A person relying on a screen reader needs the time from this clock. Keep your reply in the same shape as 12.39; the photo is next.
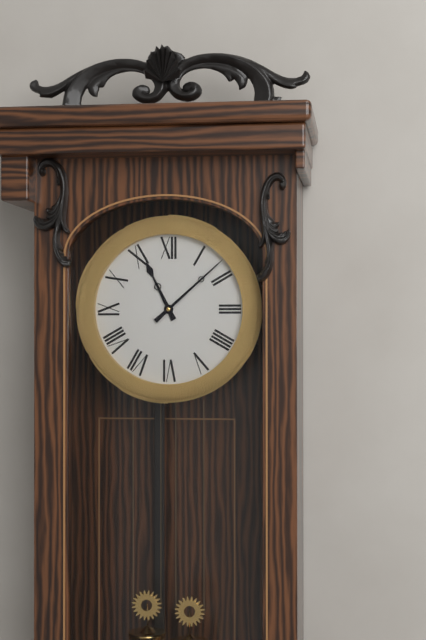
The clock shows 11.08
